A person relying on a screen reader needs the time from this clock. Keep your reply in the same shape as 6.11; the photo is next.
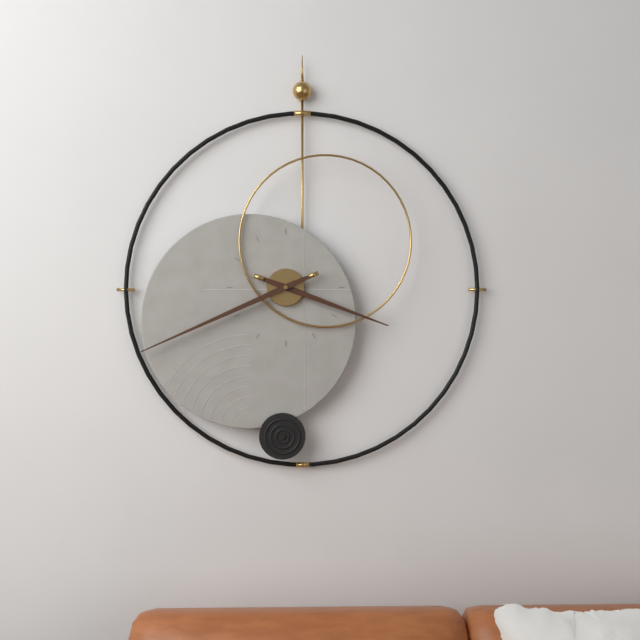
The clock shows 3.41
